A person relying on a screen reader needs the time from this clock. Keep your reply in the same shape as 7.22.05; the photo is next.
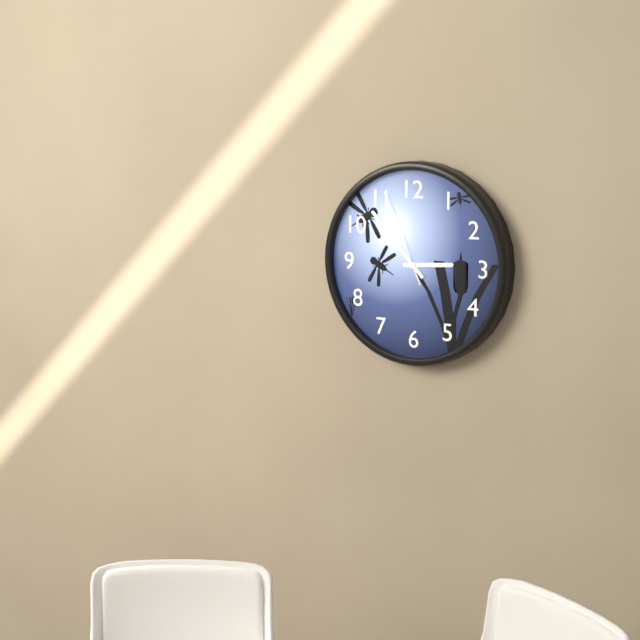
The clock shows 2.53.56
